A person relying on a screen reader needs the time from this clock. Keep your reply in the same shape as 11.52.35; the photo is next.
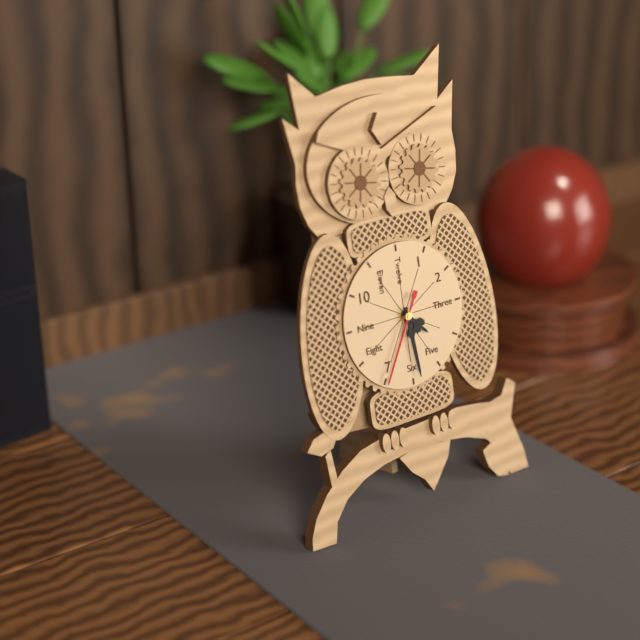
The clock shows 4.29.35
